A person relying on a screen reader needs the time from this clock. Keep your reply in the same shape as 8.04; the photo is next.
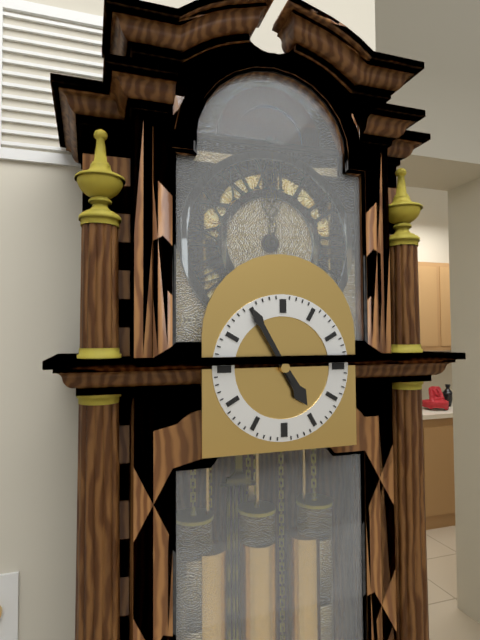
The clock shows 4.55
